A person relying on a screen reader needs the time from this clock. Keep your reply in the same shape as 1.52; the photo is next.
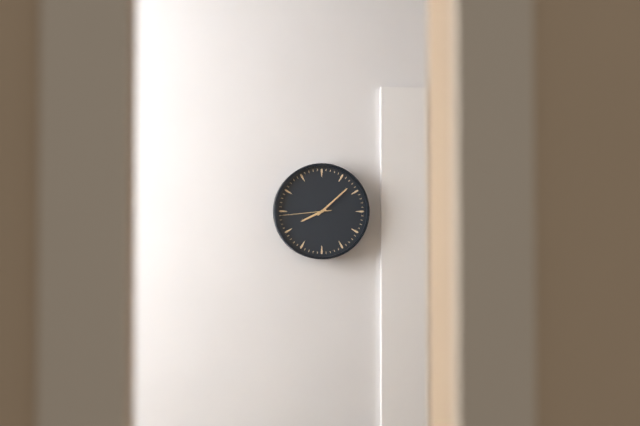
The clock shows 8.08
